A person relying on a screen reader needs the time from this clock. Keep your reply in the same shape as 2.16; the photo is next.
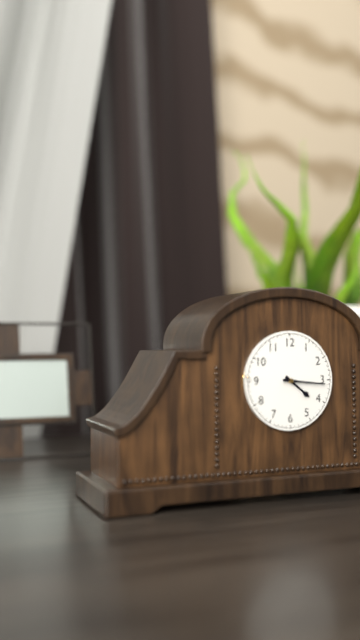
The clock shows 4.16
